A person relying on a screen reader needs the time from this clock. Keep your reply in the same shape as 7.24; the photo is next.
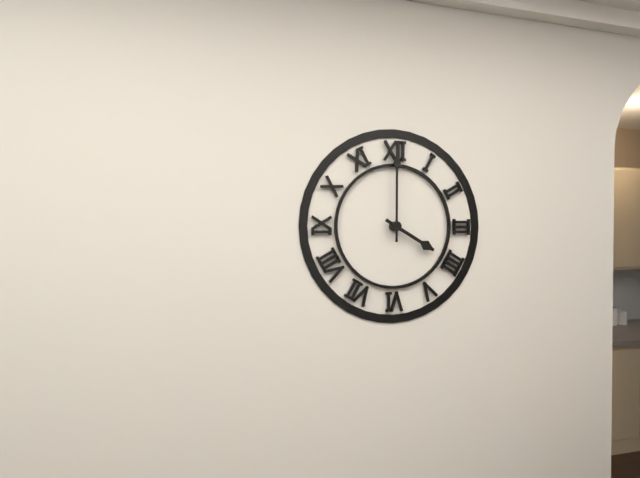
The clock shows 4.00
